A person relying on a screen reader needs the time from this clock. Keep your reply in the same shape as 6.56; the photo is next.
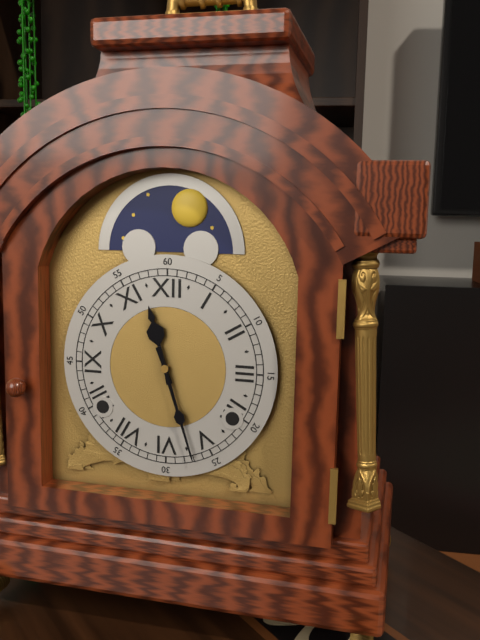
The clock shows 11.27
